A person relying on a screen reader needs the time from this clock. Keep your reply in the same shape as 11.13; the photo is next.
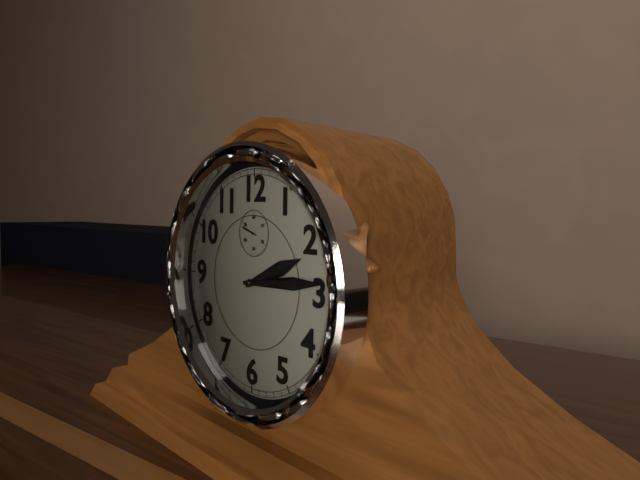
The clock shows 2.14
